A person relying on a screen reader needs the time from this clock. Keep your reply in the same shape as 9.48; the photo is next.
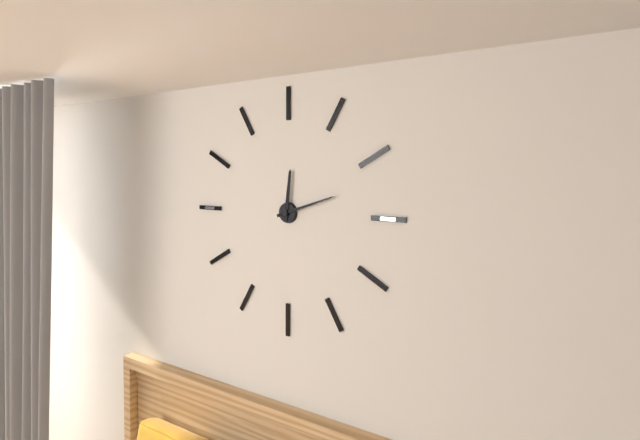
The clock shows 12.12
